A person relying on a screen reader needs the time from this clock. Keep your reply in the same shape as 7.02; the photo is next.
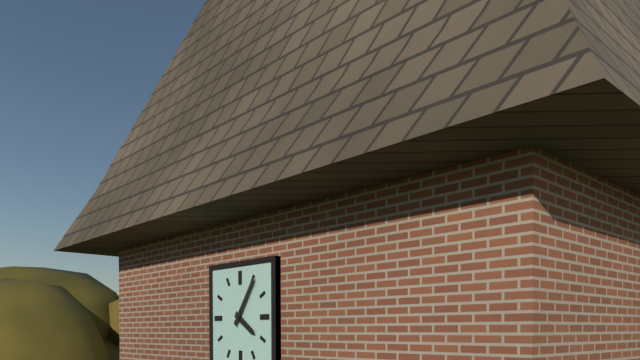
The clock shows 4.06
